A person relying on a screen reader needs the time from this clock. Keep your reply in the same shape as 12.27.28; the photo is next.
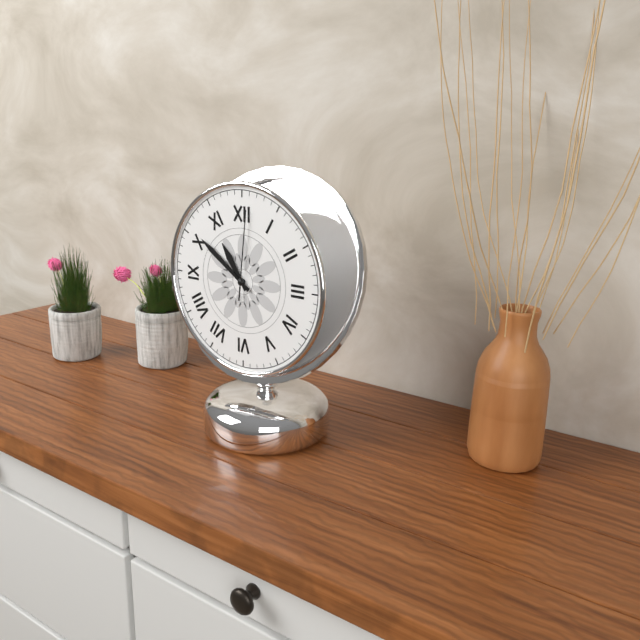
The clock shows 10.51.01
